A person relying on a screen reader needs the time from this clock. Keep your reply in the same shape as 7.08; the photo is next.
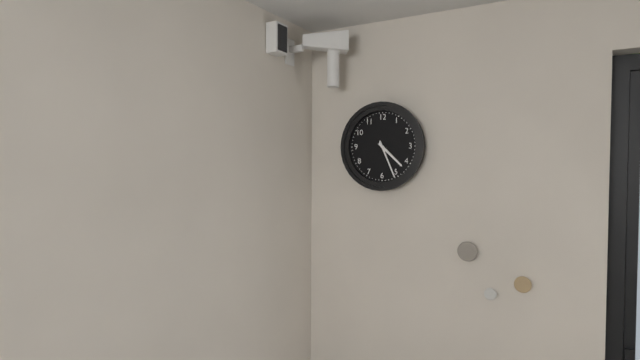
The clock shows 4.26
